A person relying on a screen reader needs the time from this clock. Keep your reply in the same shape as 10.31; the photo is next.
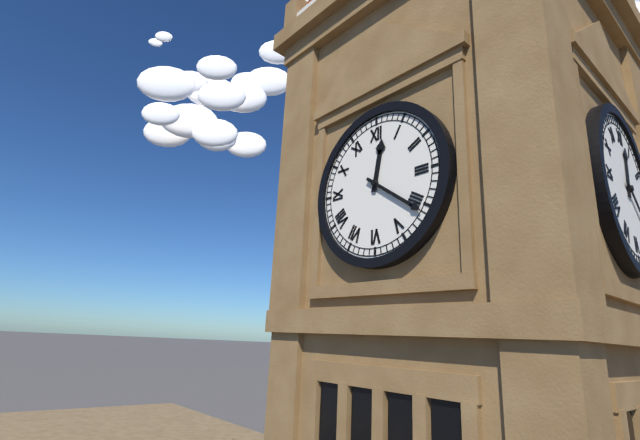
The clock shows 12.21
